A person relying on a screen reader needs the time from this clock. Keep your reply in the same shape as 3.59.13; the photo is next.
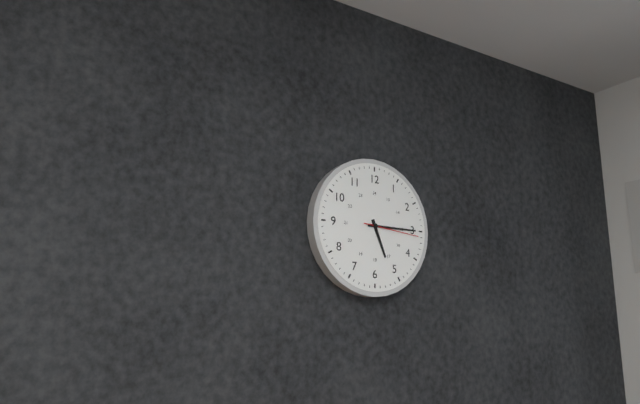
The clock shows 5.15.16
